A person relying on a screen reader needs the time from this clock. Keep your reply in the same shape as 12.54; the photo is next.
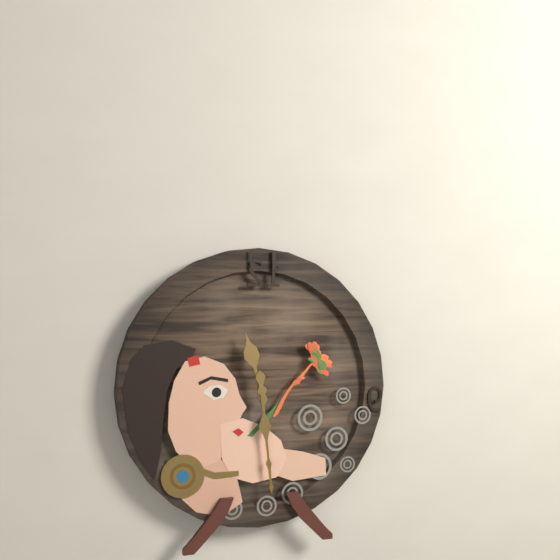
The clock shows 11.29
